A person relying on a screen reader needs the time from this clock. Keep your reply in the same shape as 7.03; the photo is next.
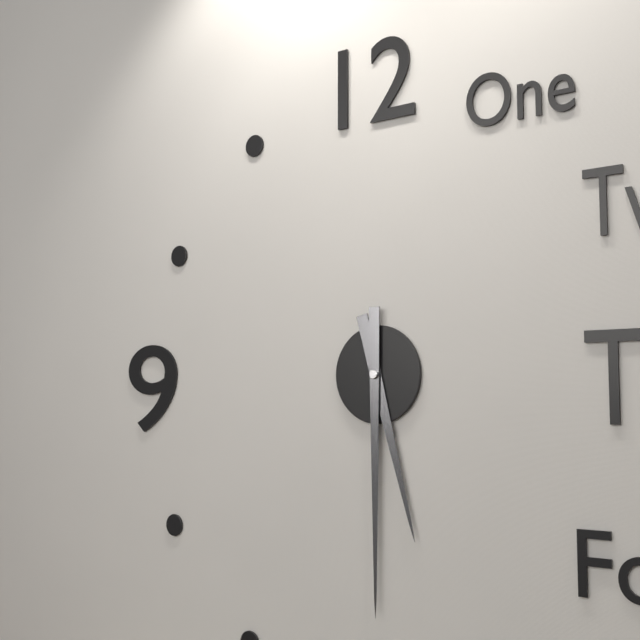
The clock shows 5.30
